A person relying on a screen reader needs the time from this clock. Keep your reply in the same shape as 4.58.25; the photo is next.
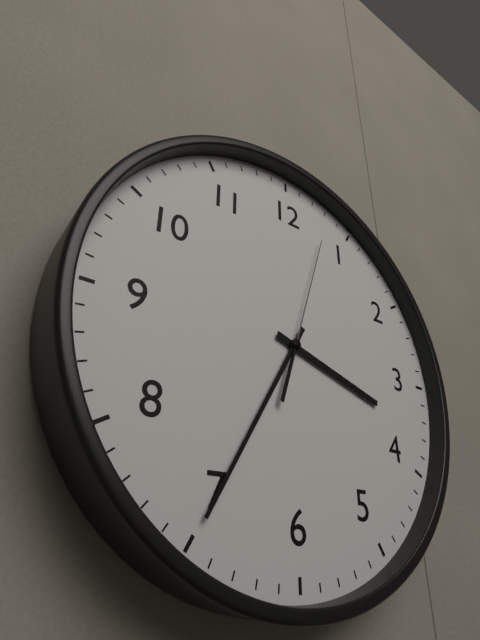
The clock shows 3.35.03
